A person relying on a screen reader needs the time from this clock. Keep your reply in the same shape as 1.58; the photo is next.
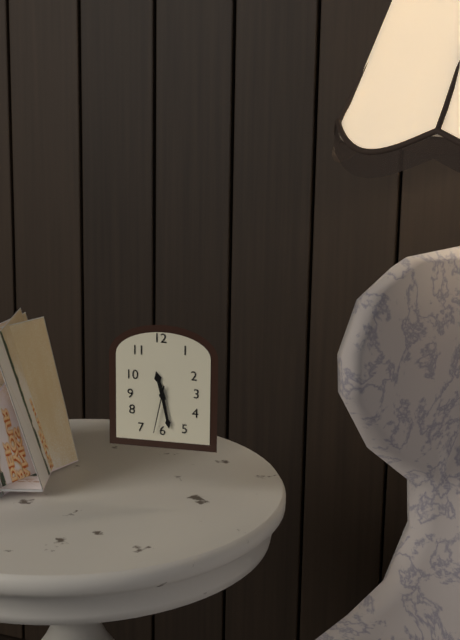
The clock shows 11.28
